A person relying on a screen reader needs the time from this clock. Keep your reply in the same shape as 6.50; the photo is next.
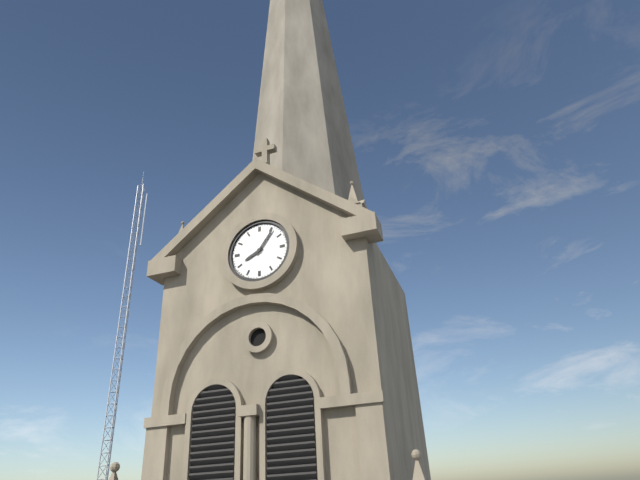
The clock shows 8.06
